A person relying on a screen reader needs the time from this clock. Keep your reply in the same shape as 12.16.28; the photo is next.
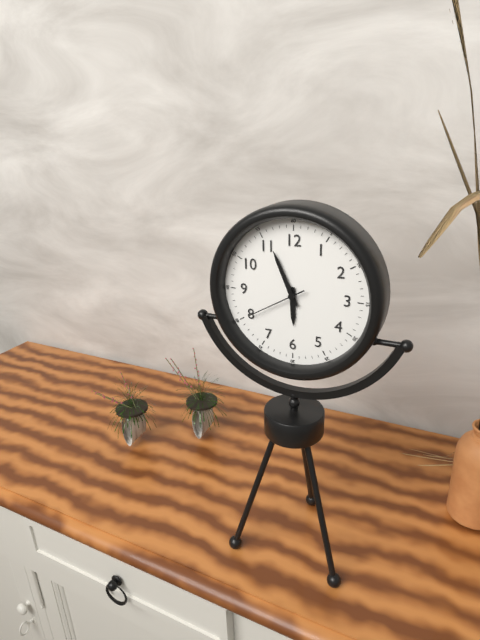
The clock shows 5.56.40
